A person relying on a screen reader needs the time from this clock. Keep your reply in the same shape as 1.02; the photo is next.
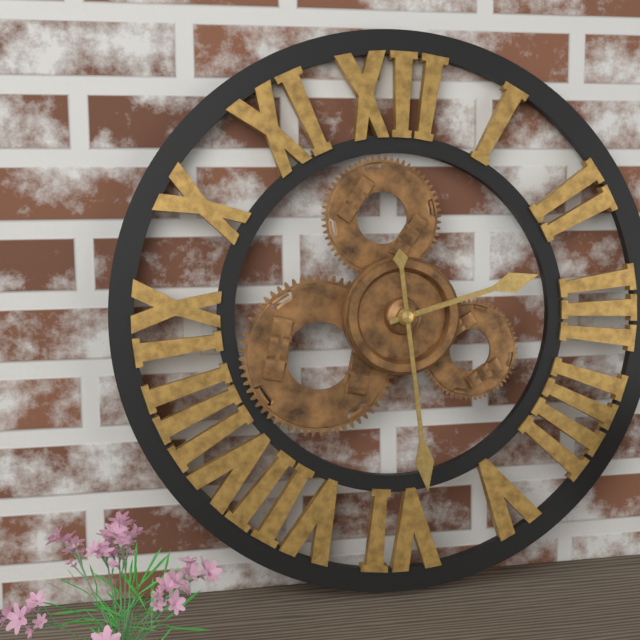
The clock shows 2.29
